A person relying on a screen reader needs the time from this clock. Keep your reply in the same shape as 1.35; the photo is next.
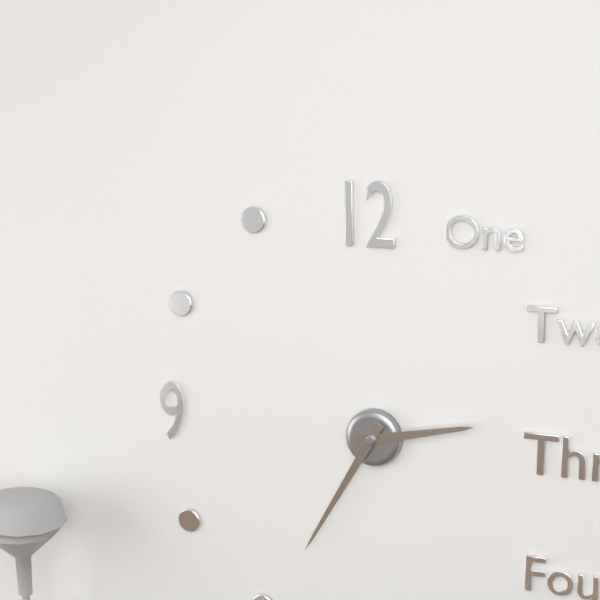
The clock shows 2.35
